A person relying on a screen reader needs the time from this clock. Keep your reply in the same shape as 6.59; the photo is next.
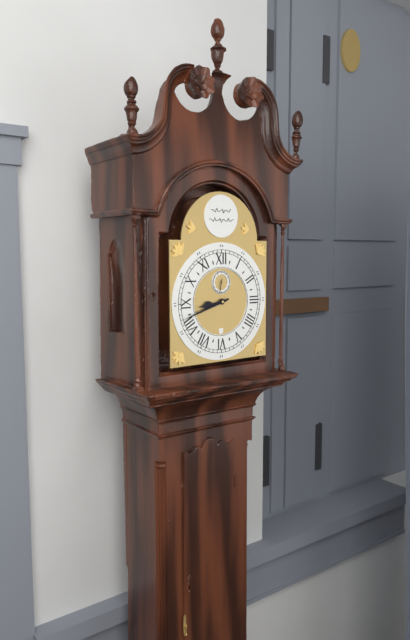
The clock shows 8.42
